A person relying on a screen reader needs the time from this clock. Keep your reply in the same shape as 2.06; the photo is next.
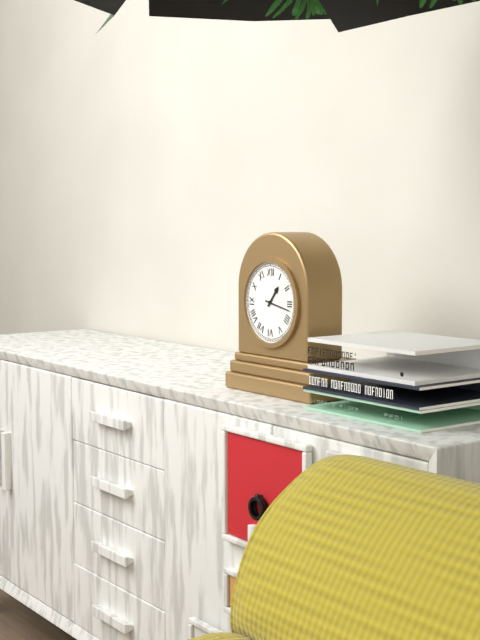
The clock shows 1.17
